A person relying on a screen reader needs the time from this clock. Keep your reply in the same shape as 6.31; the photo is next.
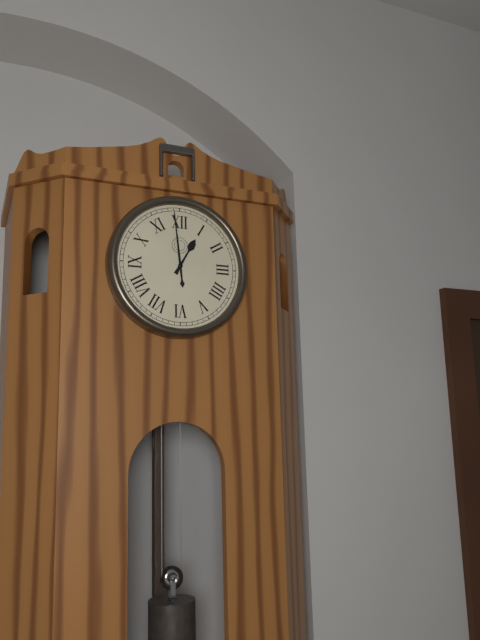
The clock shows 12.59
